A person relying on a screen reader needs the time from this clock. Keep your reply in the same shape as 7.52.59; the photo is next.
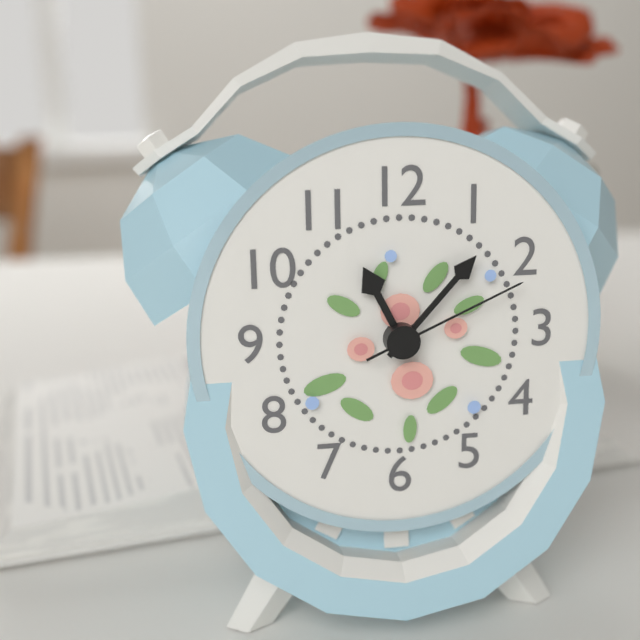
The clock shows 11.07.11
